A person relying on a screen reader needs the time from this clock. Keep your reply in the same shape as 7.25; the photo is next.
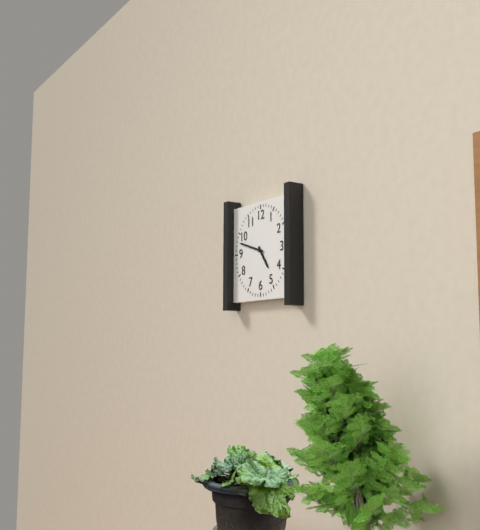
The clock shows 4.48
